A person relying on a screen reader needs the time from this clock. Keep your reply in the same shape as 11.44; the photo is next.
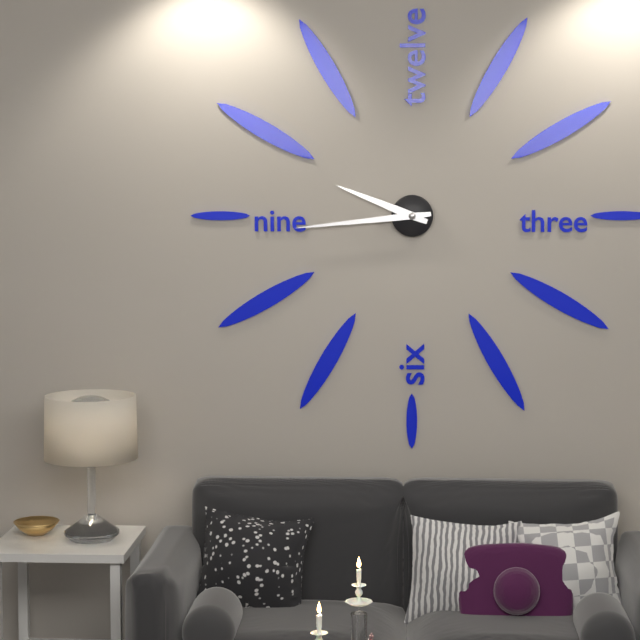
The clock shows 9.44
